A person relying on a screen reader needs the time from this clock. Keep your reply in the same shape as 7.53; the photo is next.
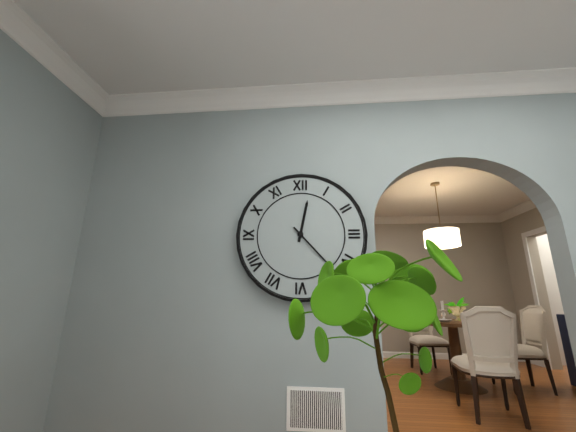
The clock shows 12.23
